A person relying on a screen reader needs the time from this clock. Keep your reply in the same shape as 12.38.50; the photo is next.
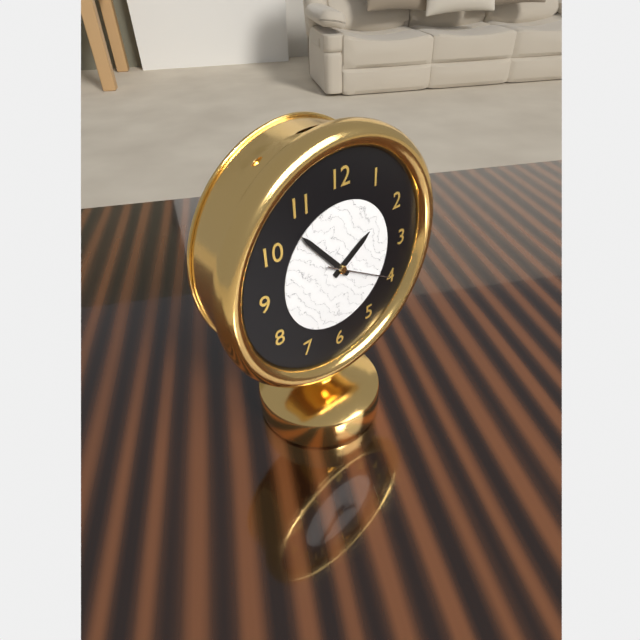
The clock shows 1.53.20
